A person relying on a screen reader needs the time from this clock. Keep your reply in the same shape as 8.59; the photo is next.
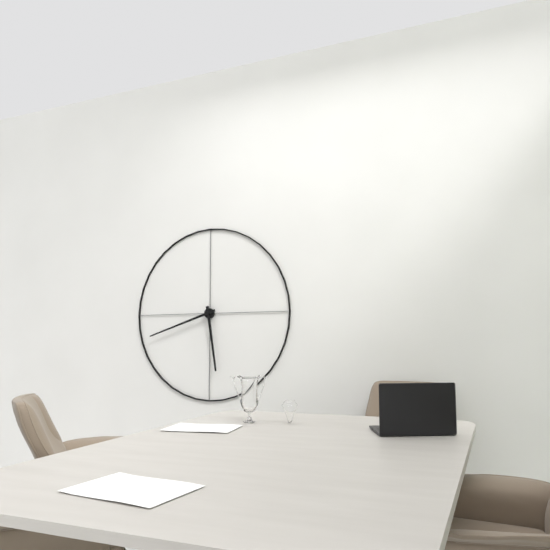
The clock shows 5.42
